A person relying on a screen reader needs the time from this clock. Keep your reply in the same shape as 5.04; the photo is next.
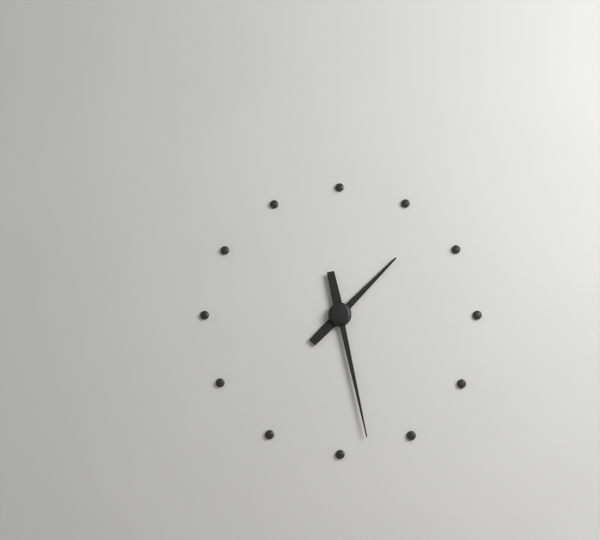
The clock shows 1.28
